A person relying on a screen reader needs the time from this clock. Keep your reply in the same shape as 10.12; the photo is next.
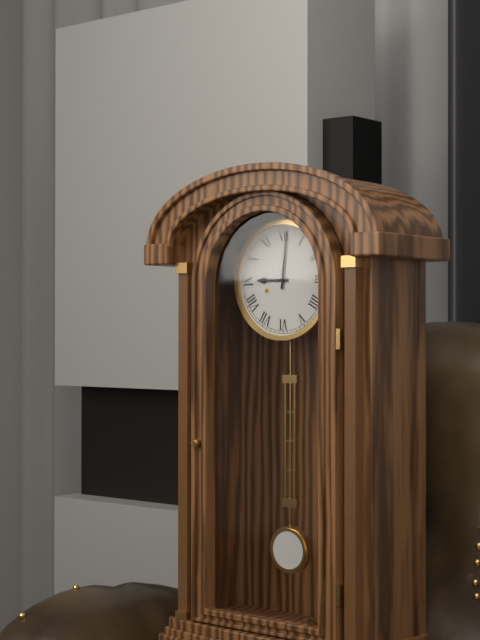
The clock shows 9.01
